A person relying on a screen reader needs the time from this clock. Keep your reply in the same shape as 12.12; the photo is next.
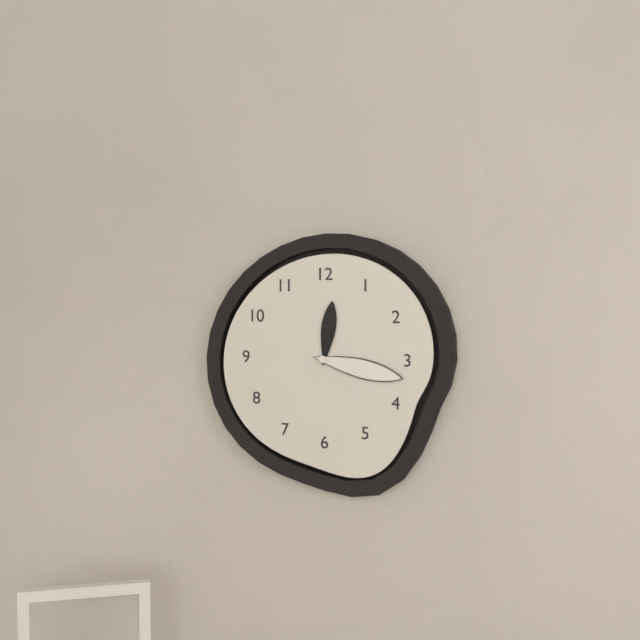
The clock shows 12.17
